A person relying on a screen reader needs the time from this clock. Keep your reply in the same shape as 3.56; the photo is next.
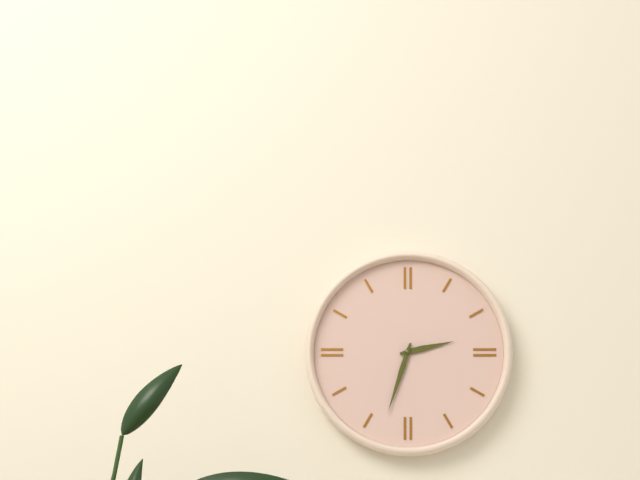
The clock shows 2.33
